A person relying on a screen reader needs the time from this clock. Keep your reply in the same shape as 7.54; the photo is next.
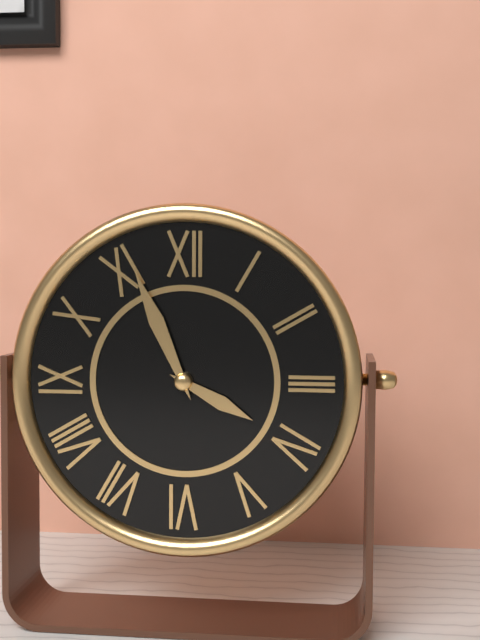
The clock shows 3.56
